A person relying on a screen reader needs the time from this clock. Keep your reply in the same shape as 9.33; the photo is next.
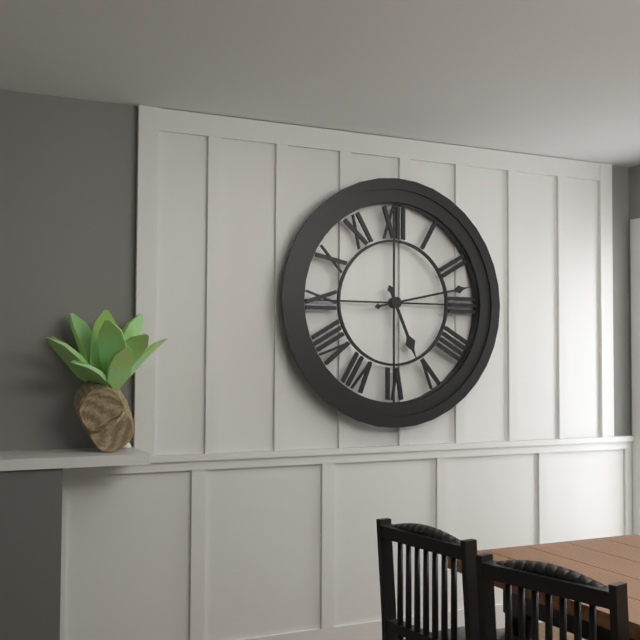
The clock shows 5.13
